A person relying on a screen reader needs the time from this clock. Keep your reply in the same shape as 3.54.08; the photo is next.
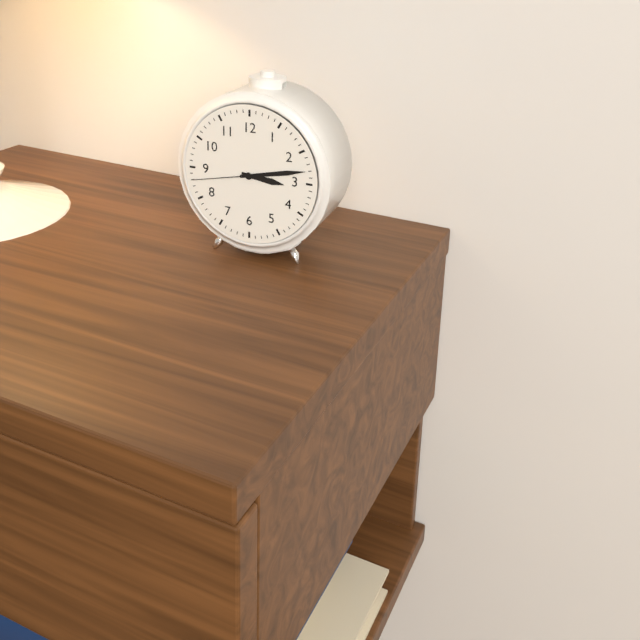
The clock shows 3.13.43
